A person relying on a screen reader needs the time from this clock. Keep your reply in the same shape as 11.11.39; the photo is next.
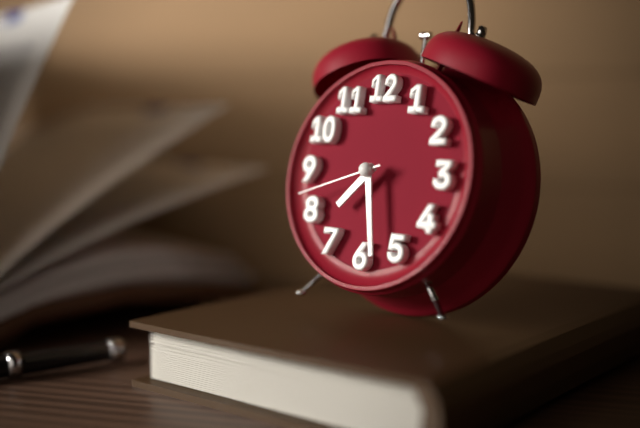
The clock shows 7.28.42
